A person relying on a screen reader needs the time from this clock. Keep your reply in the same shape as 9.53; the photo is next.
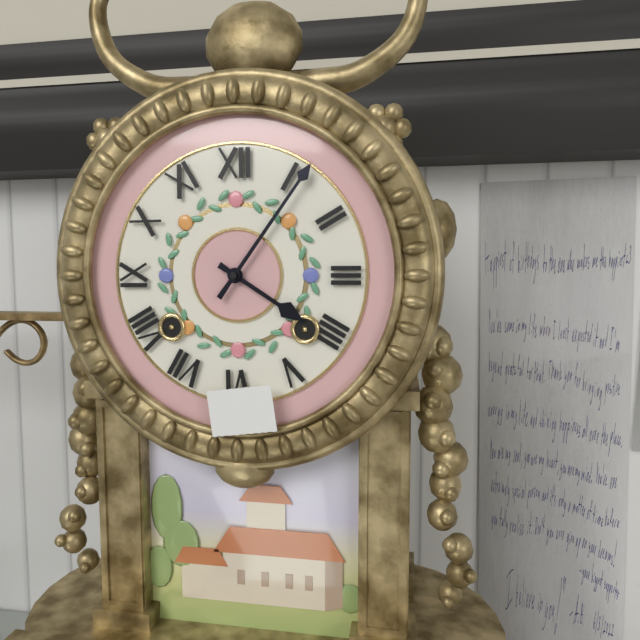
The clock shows 4.06
